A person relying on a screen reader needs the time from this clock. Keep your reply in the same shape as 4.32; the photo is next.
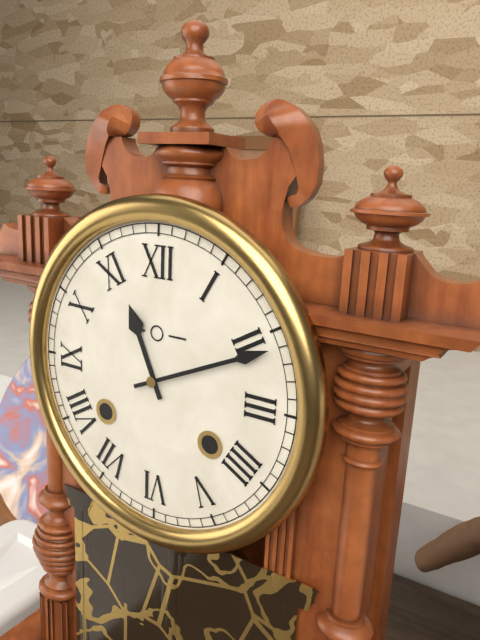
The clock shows 11.11
